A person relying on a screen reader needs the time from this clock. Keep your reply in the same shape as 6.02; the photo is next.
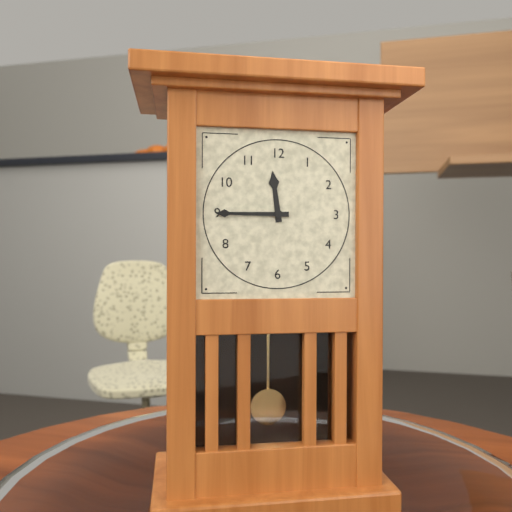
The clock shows 11.45
